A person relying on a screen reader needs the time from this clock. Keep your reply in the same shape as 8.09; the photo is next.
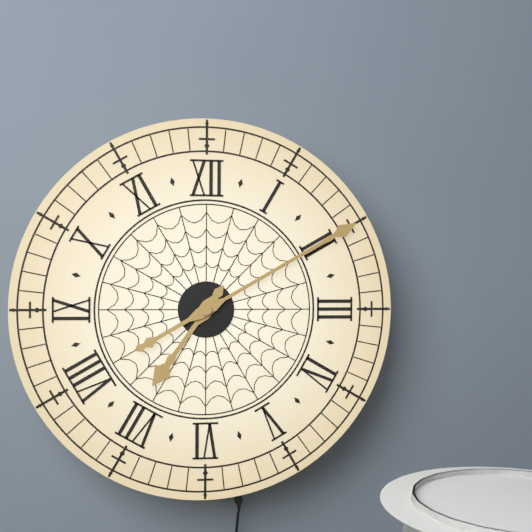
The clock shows 7.10
